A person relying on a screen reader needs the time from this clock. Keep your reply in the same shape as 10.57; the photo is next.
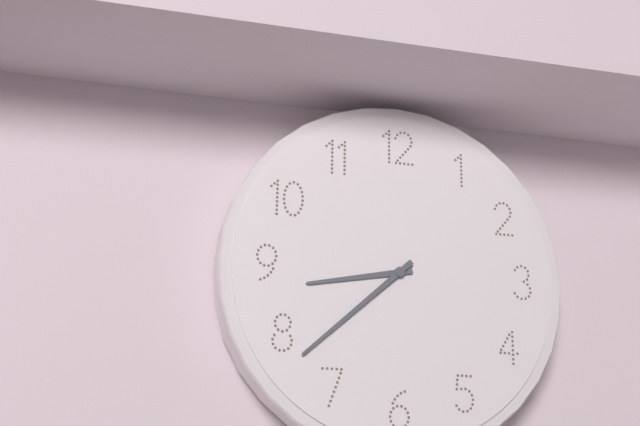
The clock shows 8.38
